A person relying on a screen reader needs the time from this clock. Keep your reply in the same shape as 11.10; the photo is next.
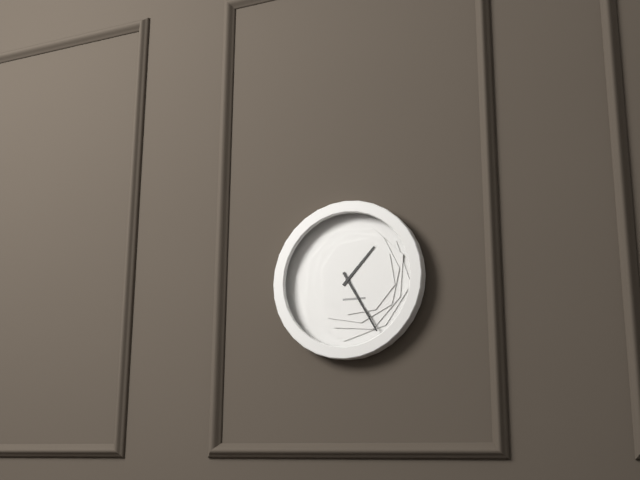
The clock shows 1.25
